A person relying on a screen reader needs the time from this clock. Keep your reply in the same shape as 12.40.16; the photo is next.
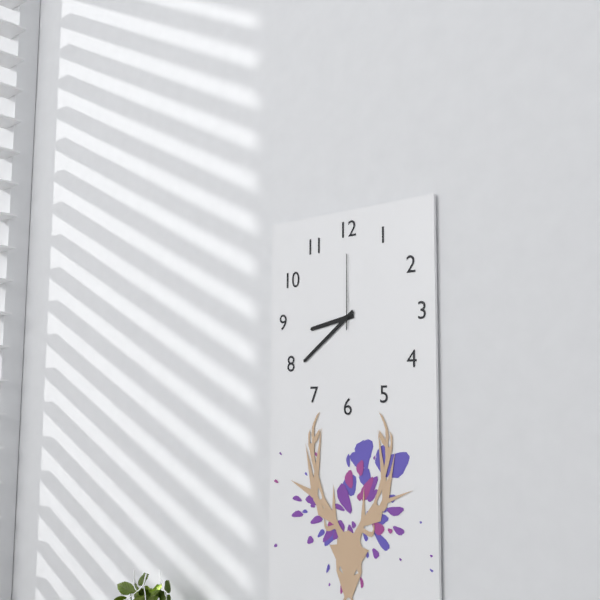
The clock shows 8.39.00
